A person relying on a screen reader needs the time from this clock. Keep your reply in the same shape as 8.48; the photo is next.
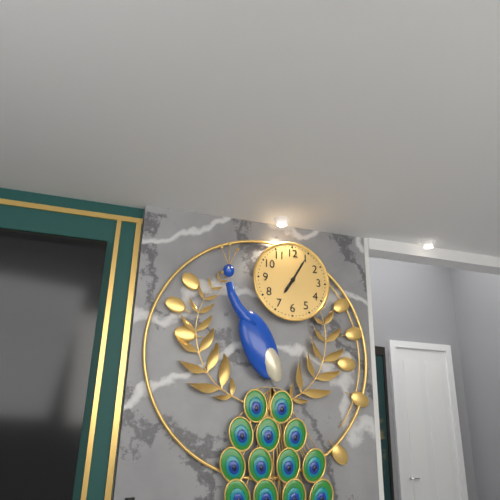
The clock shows 7.05
